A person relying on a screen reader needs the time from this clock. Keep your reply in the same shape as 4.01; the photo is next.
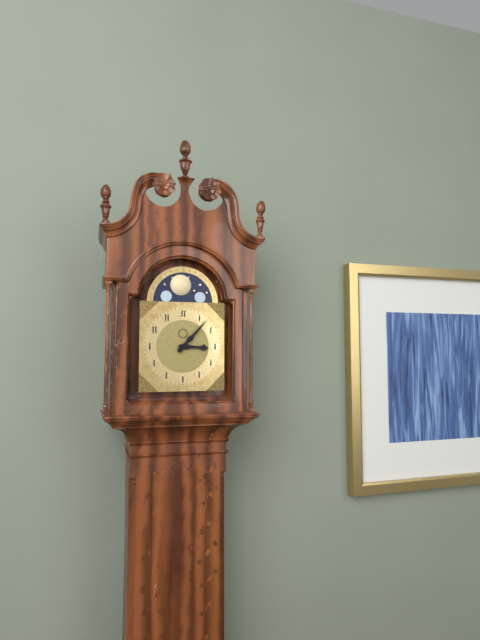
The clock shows 3.07
